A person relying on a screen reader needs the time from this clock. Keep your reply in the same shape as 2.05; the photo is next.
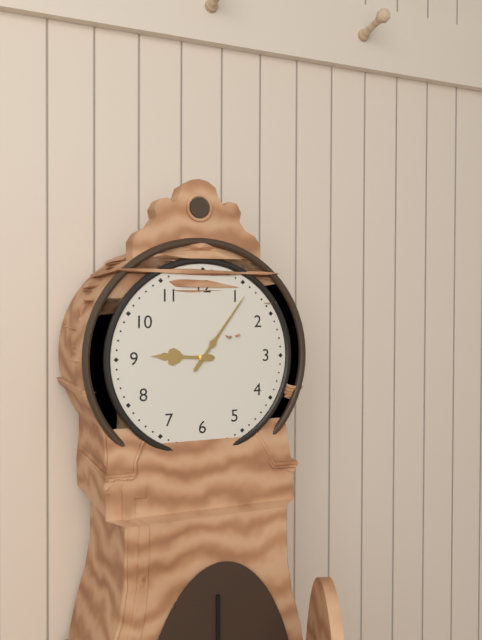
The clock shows 9.06
